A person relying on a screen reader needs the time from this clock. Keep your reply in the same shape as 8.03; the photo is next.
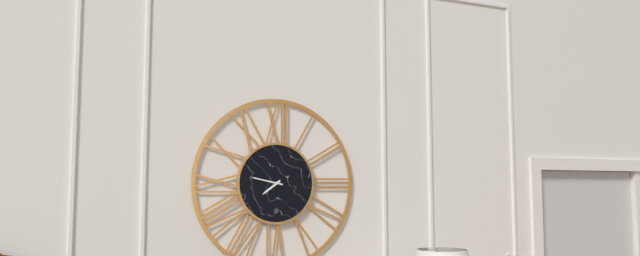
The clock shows 7.47
